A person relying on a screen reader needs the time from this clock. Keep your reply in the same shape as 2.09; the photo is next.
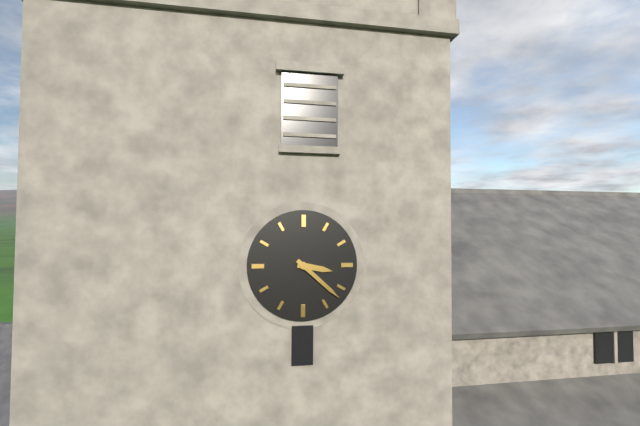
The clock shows 3.22
